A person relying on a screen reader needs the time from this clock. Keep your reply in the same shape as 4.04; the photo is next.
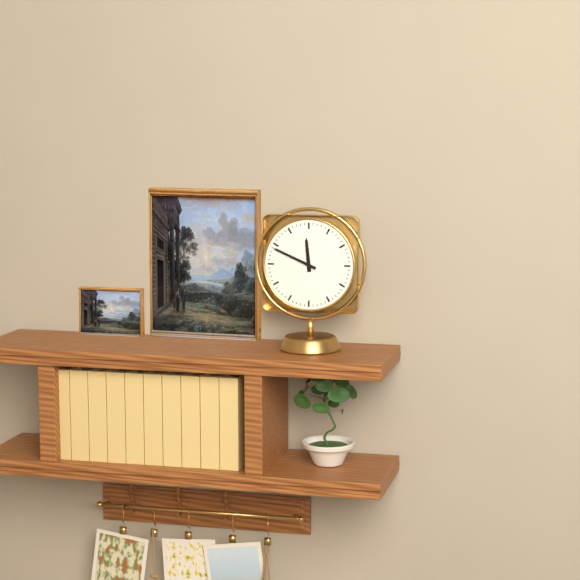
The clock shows 11.49
